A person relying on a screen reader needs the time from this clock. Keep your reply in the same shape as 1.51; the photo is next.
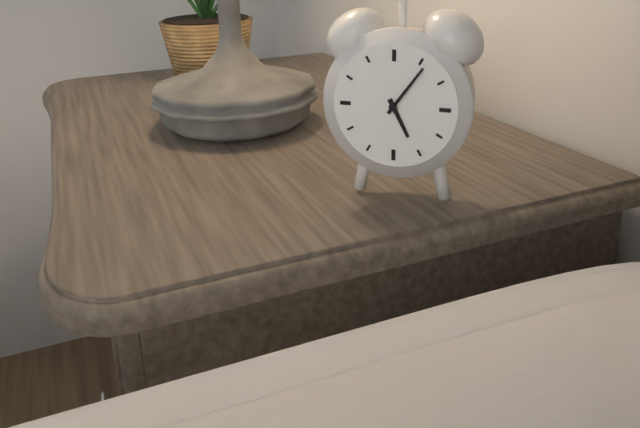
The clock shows 5.06
